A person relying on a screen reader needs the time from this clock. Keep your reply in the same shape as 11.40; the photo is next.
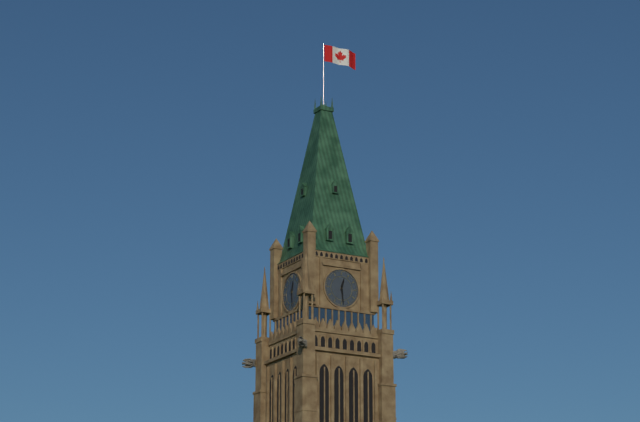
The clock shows 12.29
